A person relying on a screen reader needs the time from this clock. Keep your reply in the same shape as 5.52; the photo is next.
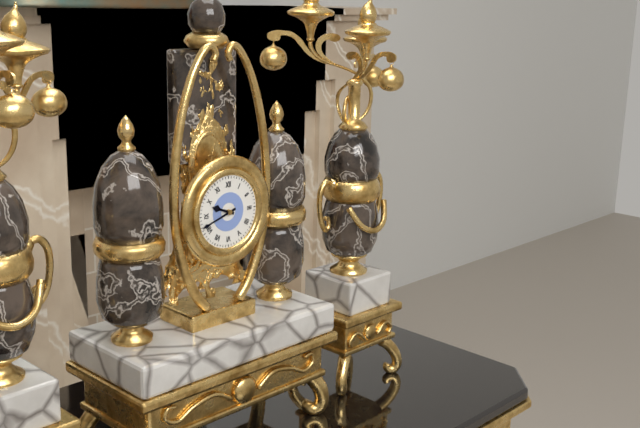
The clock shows 9.42
